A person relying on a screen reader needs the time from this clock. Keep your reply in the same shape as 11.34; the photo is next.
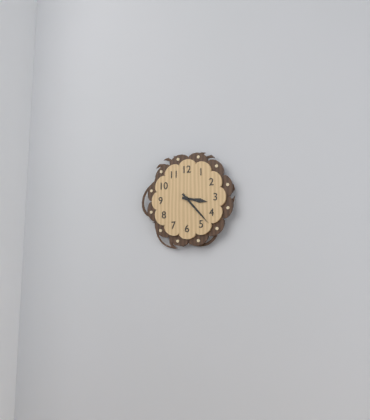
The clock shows 3.23
